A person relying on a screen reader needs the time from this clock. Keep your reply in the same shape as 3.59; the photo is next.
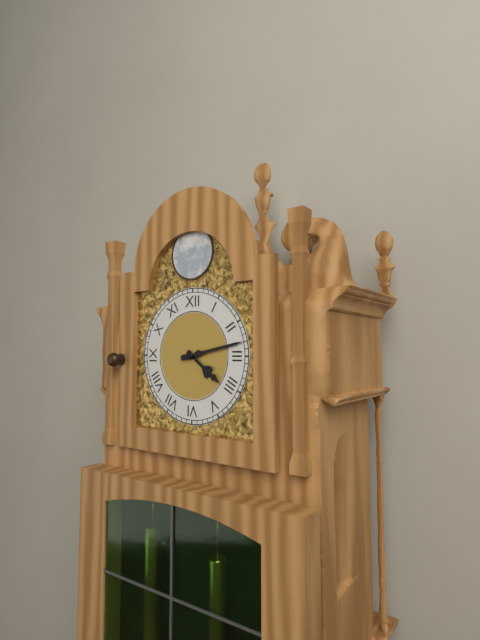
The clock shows 4.13
